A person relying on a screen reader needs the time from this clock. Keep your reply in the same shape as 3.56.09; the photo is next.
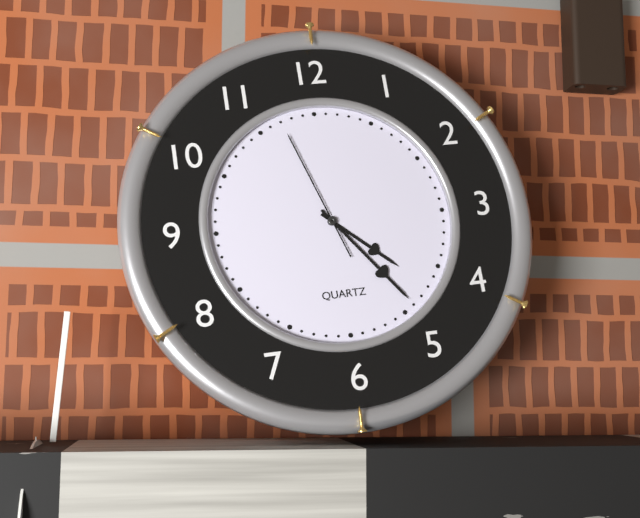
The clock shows 4.24.57
